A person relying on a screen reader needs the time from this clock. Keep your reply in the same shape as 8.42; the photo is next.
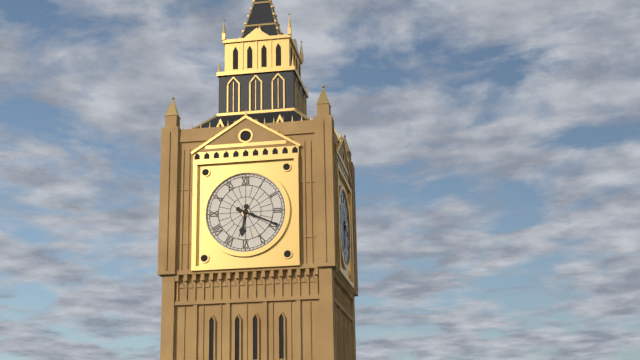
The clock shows 6.19
